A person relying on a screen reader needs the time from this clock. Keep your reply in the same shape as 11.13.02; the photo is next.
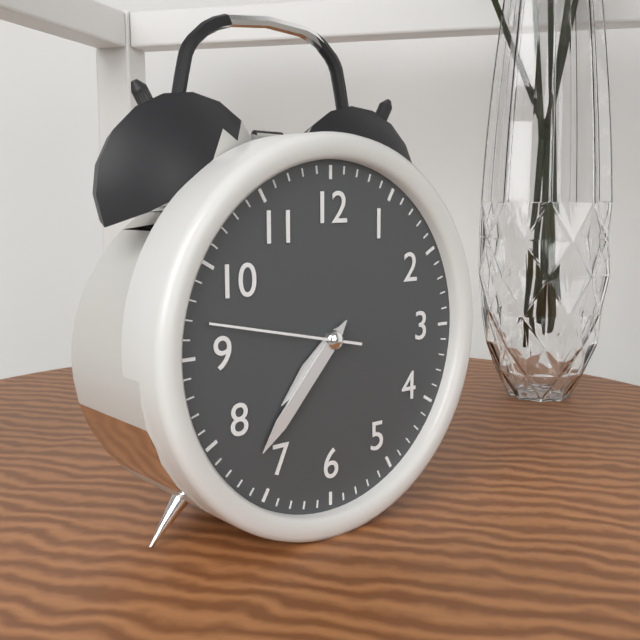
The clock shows 7.37.47
